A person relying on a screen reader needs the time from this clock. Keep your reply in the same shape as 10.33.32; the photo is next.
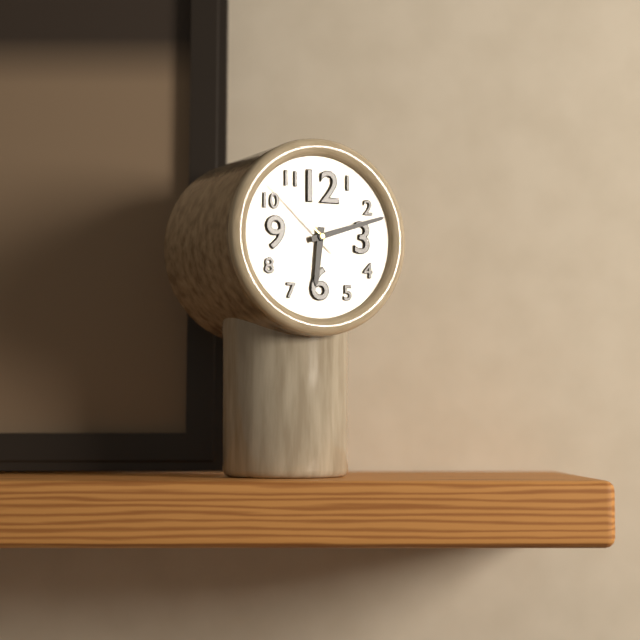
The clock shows 6.12.52
